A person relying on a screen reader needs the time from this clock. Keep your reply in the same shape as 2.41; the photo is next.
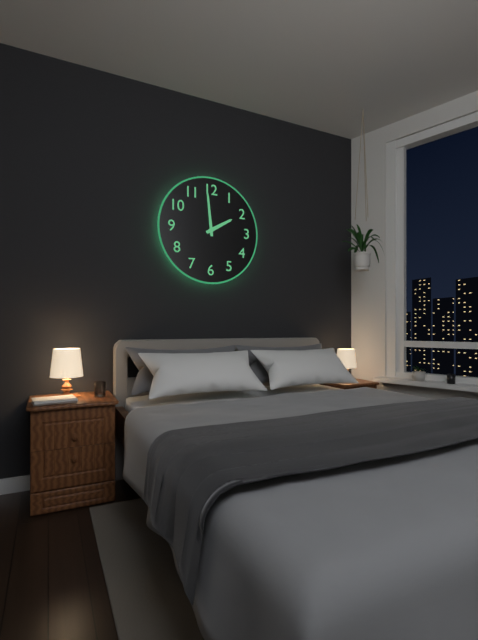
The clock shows 1.59
